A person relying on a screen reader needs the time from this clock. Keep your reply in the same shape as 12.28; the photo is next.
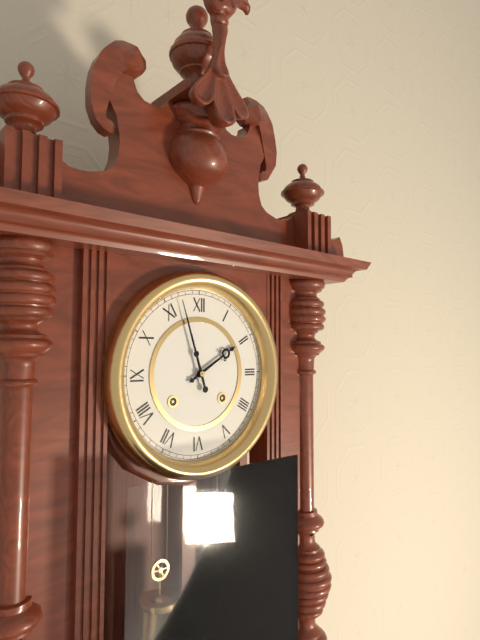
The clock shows 1.57
